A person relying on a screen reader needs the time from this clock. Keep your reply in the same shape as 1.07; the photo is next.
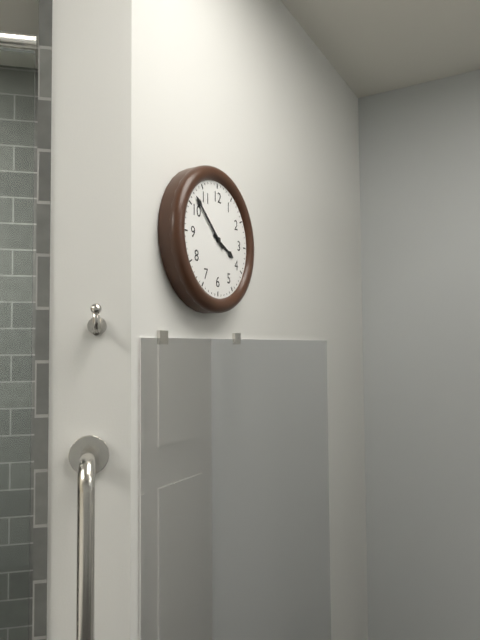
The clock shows 3.52
